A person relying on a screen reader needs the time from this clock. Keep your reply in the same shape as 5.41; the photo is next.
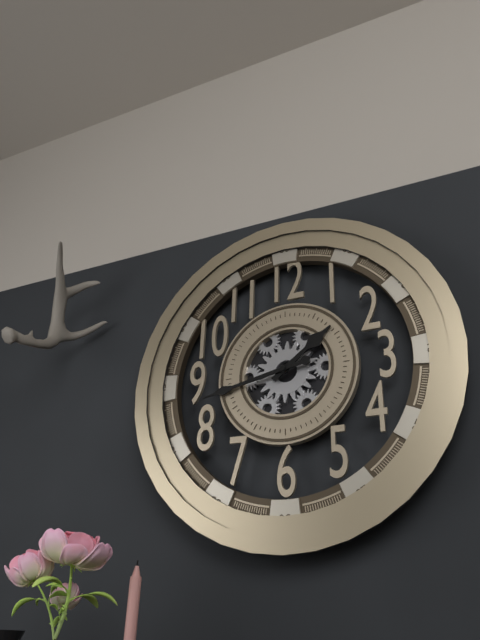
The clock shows 1.43
